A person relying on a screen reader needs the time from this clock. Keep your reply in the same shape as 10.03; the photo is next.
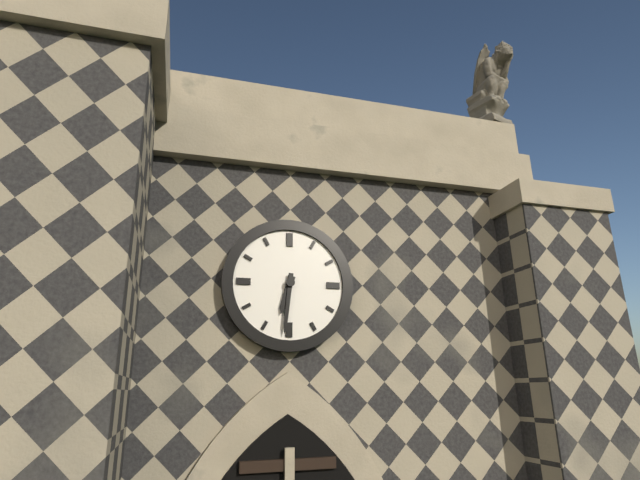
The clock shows 6.31
